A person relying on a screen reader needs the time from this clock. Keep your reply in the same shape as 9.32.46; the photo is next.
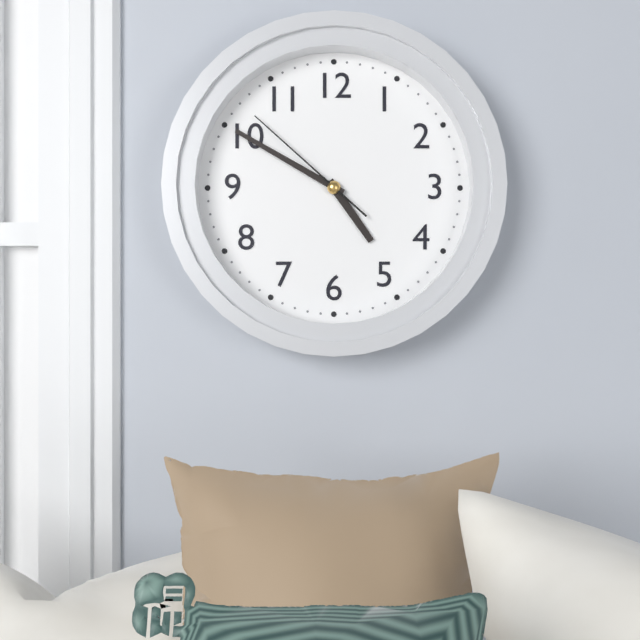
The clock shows 4.50.52
